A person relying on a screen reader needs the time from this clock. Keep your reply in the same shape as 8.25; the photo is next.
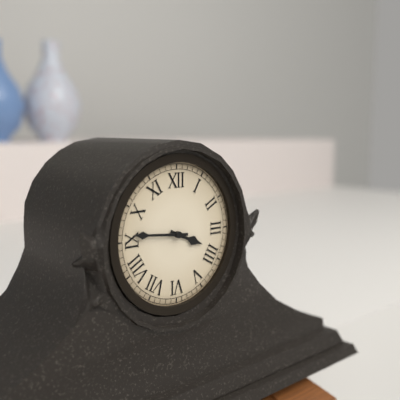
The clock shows 3.46
